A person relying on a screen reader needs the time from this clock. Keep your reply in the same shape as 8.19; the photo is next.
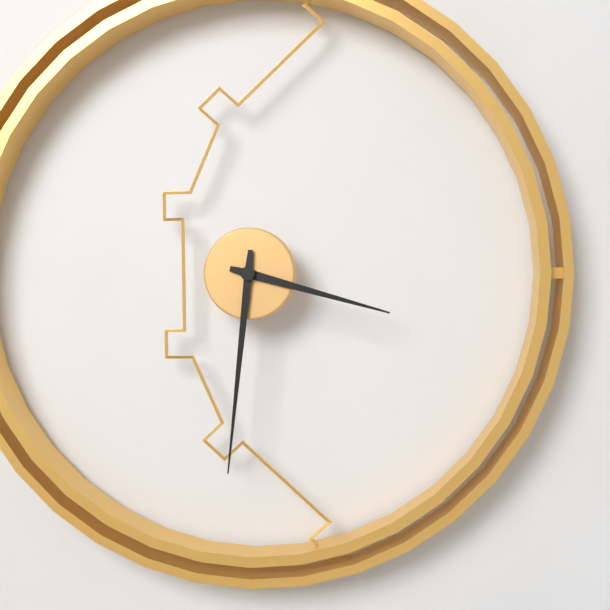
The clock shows 3.31
